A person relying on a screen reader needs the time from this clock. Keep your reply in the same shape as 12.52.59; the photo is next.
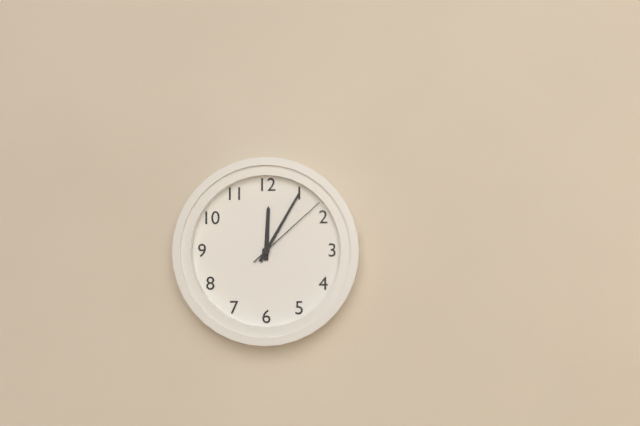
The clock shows 12.05.08
